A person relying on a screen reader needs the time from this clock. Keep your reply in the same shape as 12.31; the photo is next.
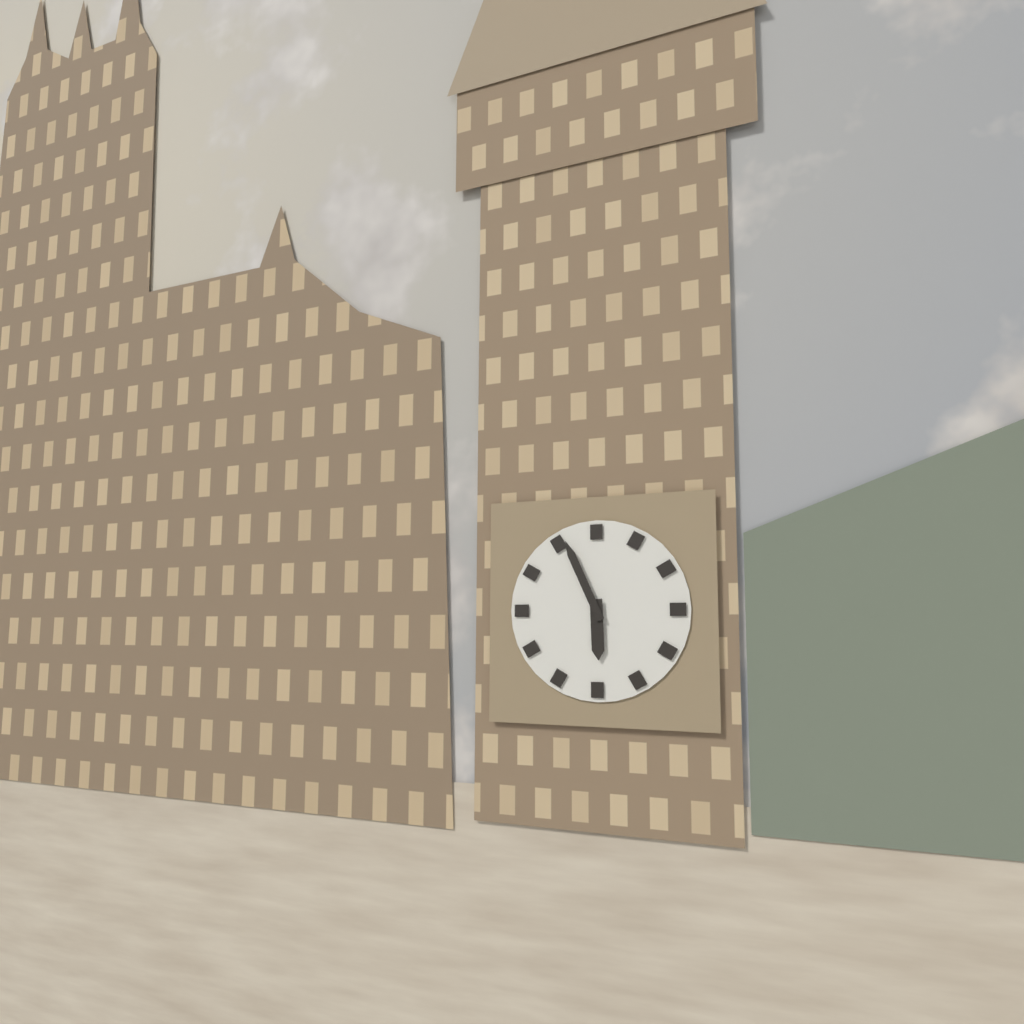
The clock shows 5.56
